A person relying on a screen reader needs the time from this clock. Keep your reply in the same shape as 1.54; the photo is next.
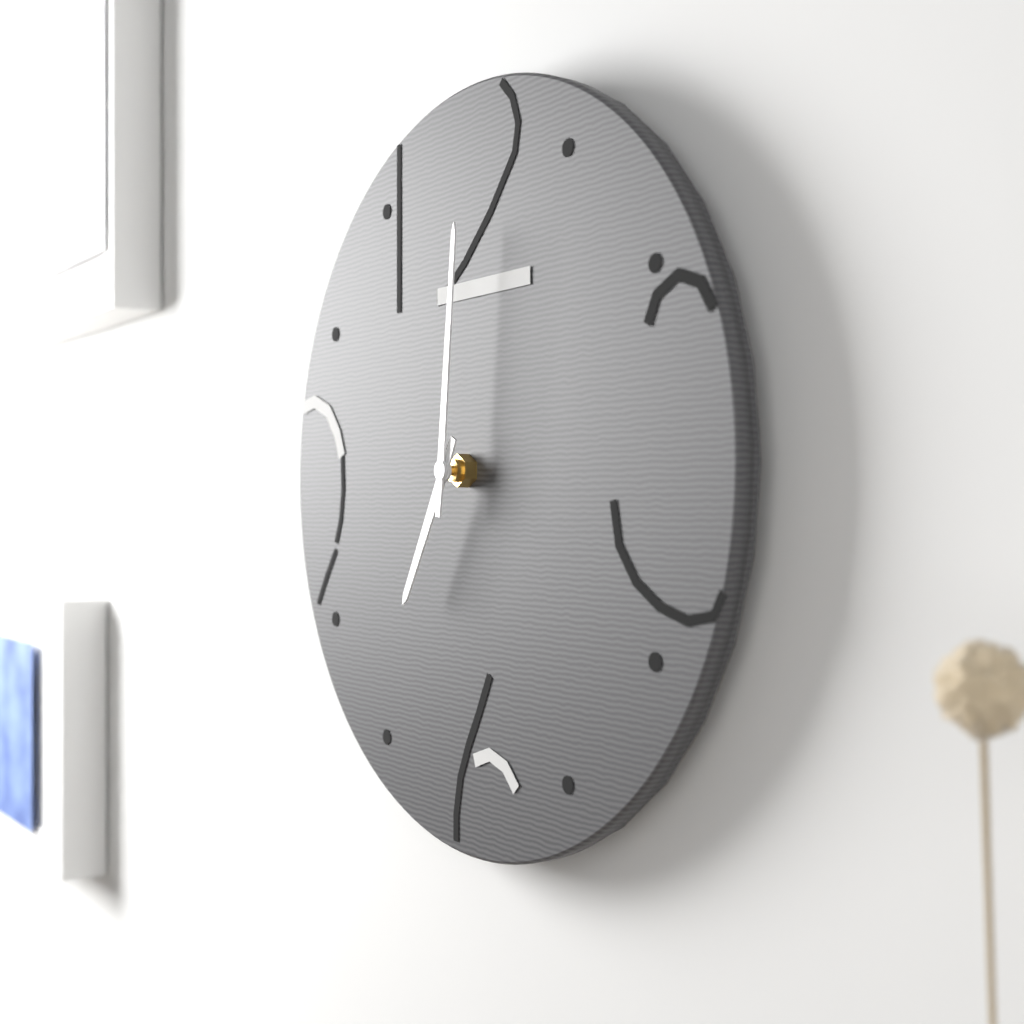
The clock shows 7.01
